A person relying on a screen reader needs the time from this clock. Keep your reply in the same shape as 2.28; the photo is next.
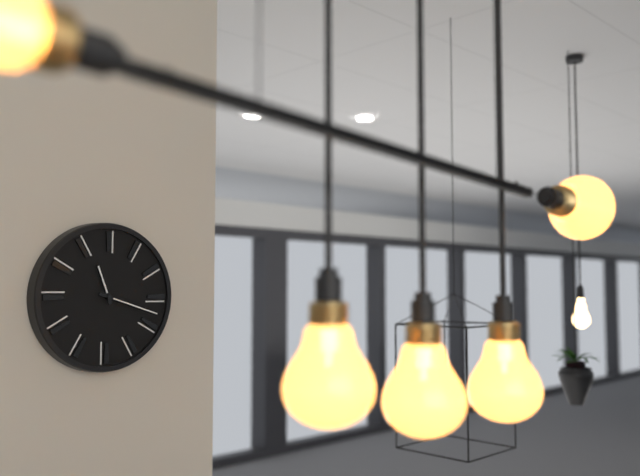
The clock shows 11.18
